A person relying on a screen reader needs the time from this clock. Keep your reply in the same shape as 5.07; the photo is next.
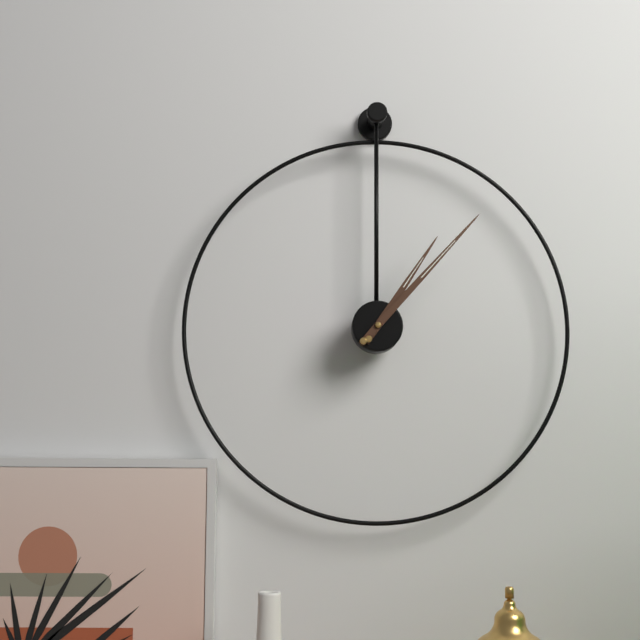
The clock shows 1.07
